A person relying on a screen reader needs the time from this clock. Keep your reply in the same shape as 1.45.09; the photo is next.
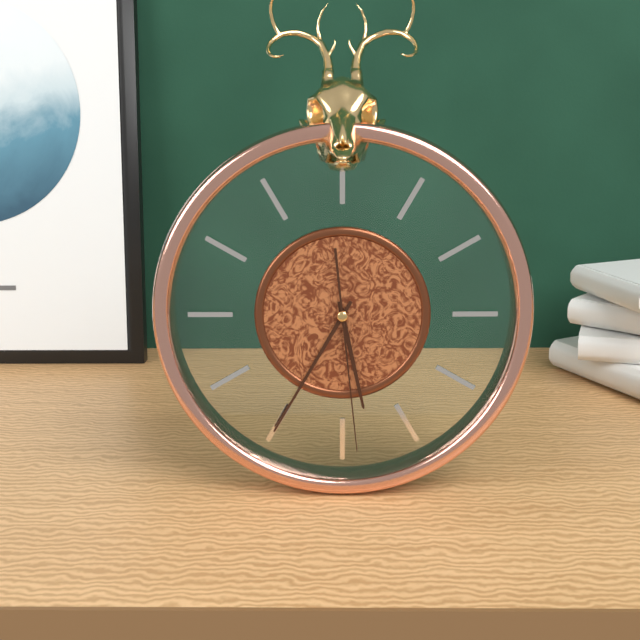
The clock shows 5.35.29
